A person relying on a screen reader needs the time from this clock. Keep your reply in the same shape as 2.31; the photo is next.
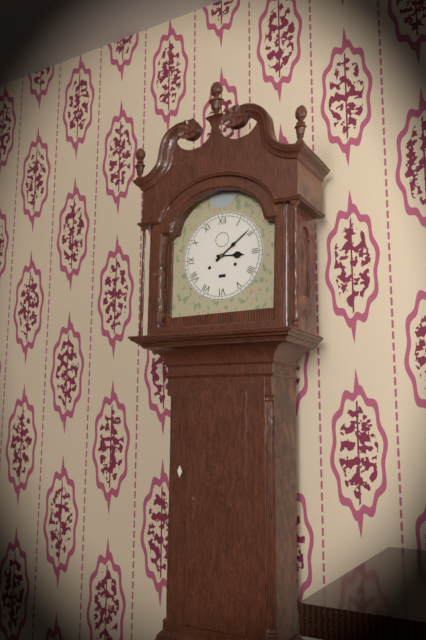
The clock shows 3.09
